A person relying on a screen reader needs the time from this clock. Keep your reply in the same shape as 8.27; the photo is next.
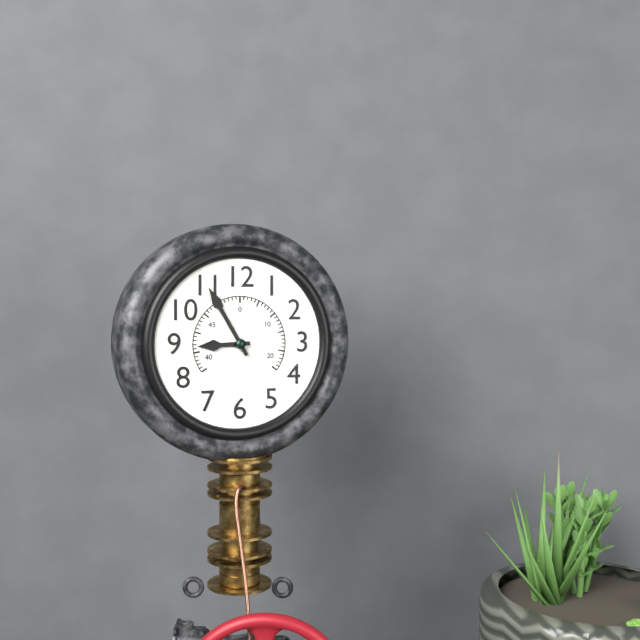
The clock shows 8.55
